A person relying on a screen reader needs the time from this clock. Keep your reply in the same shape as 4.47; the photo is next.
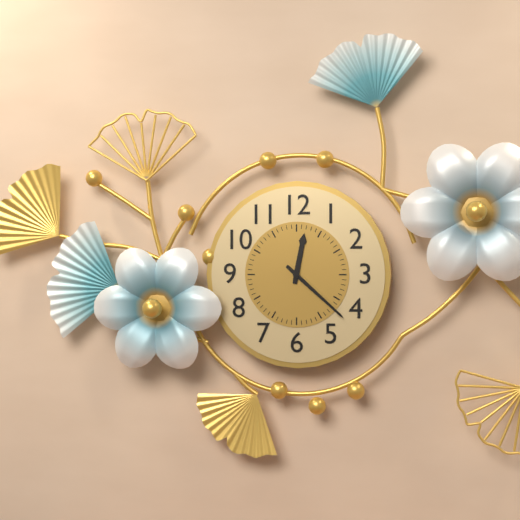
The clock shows 12.22
